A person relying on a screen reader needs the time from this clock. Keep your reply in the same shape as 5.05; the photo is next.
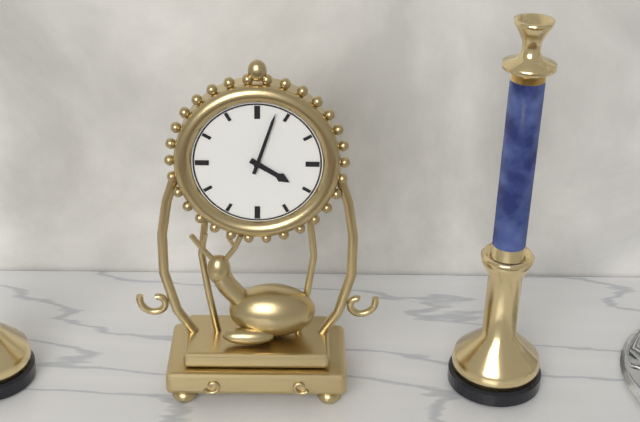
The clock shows 4.03
